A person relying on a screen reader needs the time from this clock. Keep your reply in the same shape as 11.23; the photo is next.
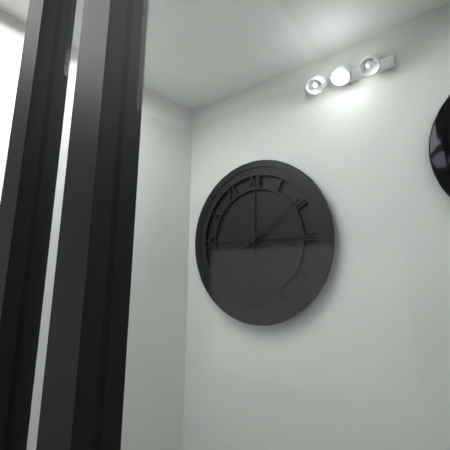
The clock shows 8.09
